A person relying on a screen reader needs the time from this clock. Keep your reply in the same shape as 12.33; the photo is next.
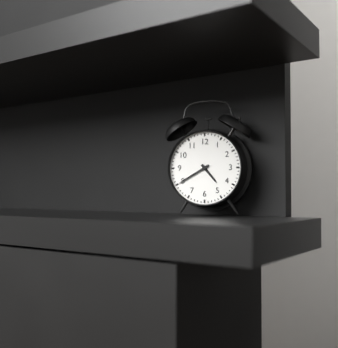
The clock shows 4.40
